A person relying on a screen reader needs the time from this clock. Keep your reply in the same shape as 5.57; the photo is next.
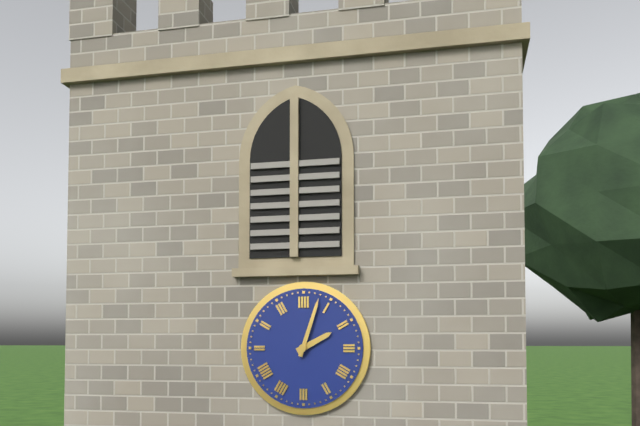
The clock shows 2.03
